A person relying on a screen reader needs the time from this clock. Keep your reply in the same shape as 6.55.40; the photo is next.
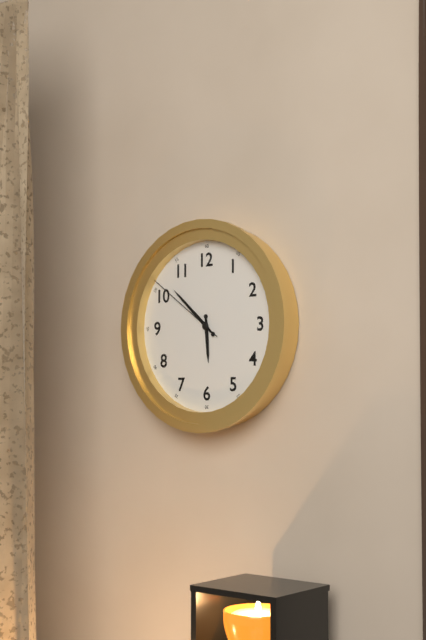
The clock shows 5.52.51
